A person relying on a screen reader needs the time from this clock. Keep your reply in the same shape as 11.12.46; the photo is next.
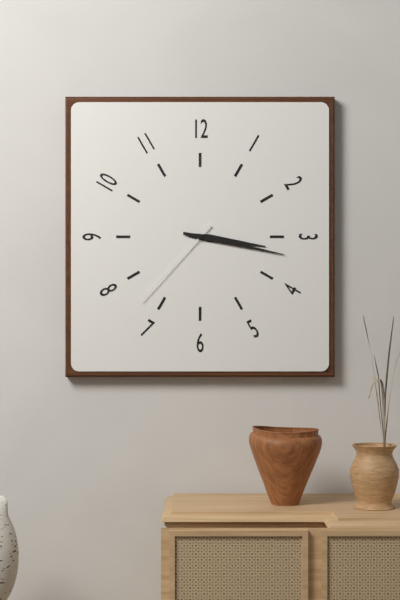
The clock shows 3.17.37
